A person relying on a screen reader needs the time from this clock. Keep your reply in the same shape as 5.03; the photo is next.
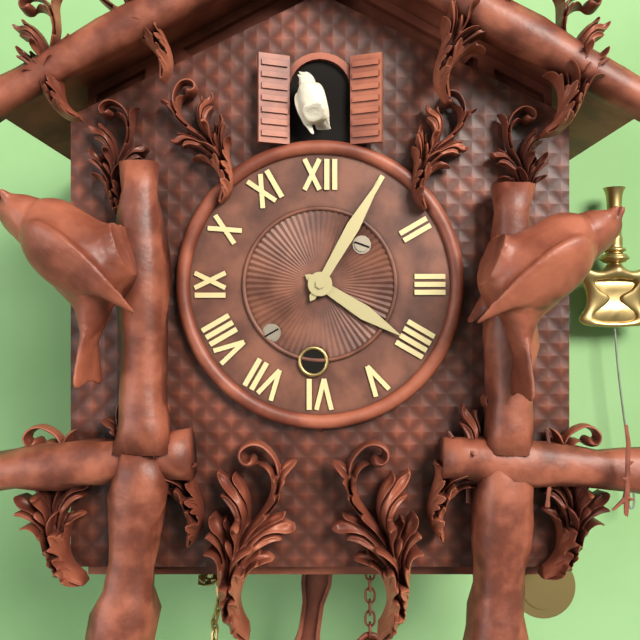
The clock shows 4.05
